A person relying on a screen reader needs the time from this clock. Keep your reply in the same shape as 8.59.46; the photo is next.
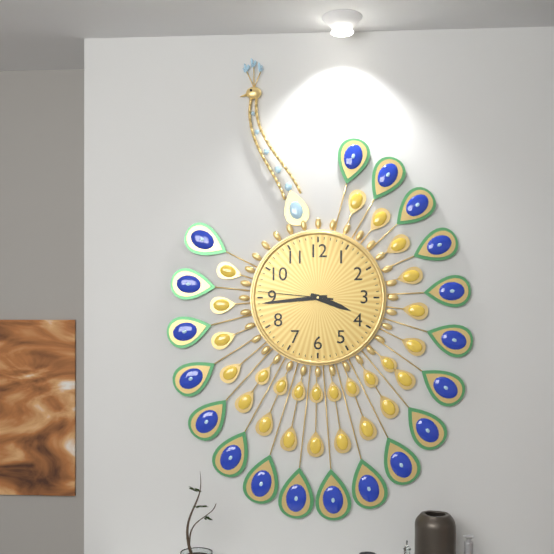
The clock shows 3.44.46
